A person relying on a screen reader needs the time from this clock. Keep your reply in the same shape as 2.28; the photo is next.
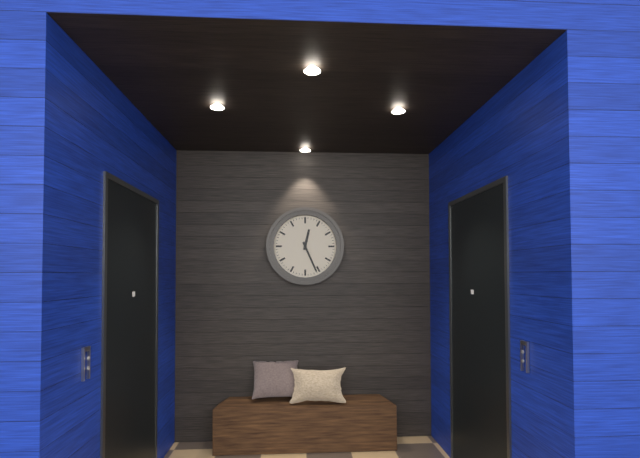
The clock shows 12.26
